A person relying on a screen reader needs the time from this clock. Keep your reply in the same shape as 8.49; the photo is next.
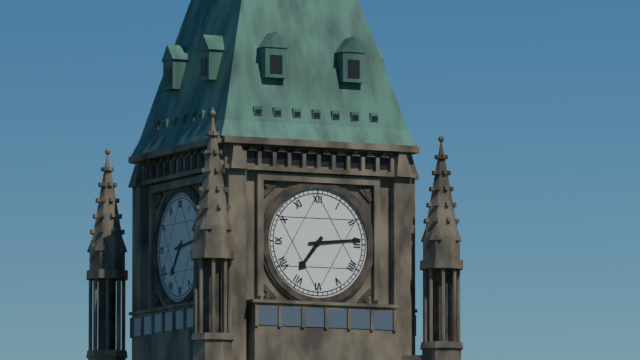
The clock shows 7.14
